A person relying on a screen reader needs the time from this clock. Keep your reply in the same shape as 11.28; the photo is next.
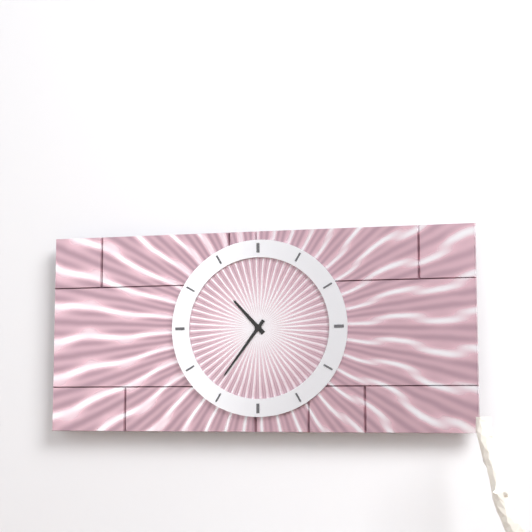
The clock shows 10.36
